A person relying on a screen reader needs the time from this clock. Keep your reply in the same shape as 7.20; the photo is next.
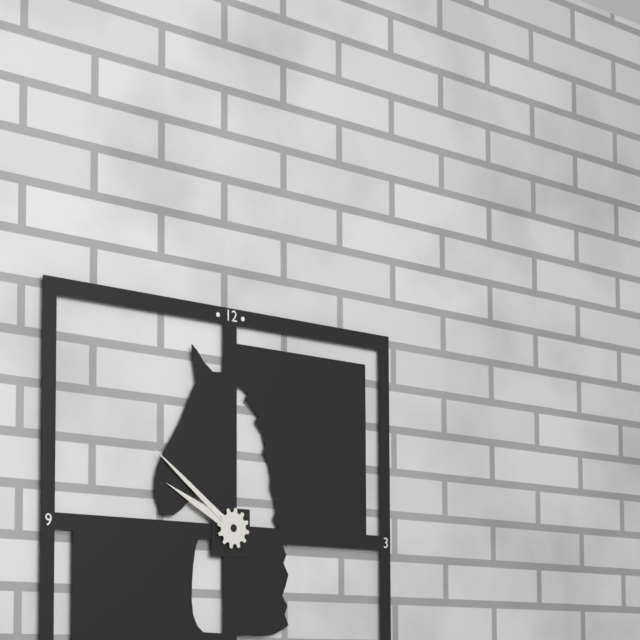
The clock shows 9.51
